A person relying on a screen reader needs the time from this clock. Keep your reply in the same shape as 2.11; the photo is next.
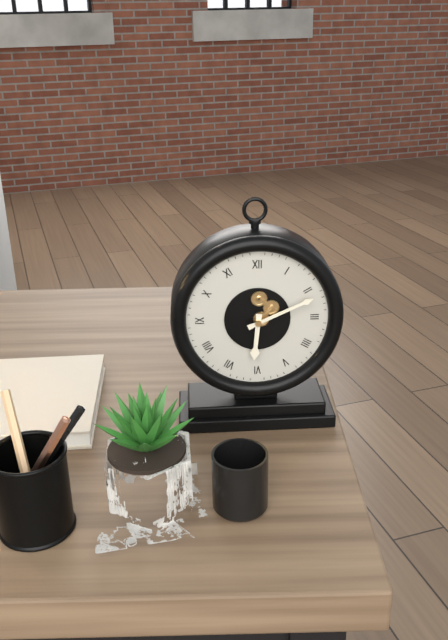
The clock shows 6.11
